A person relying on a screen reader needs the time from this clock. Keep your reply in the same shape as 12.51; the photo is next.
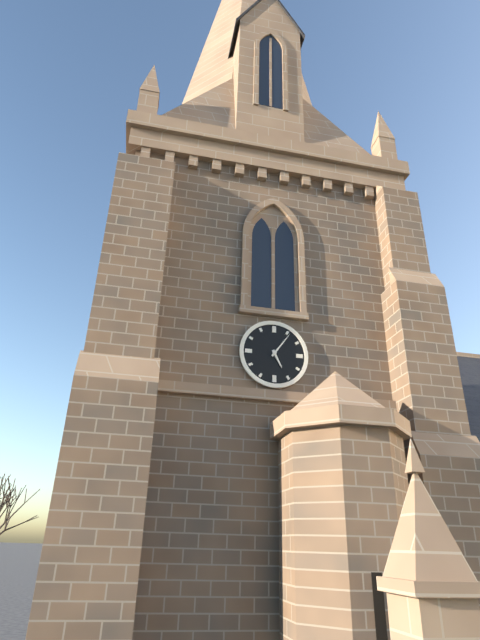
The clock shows 5.06
